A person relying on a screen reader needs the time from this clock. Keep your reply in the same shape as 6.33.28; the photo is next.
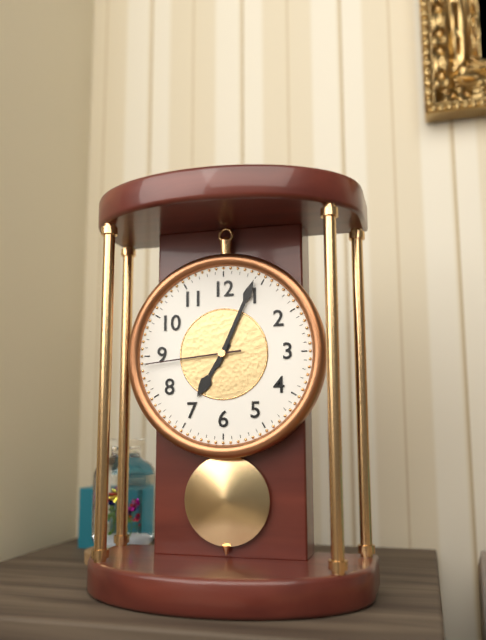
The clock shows 7.04.44
